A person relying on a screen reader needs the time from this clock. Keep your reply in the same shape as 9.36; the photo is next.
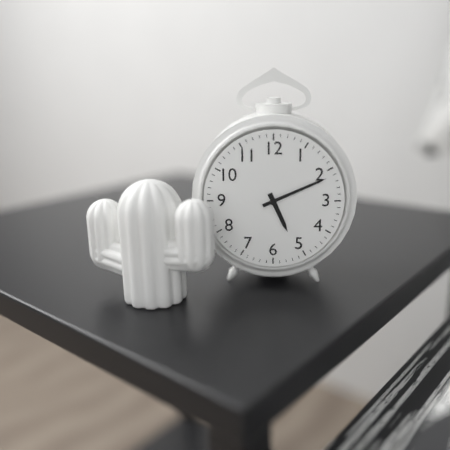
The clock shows 5.11
